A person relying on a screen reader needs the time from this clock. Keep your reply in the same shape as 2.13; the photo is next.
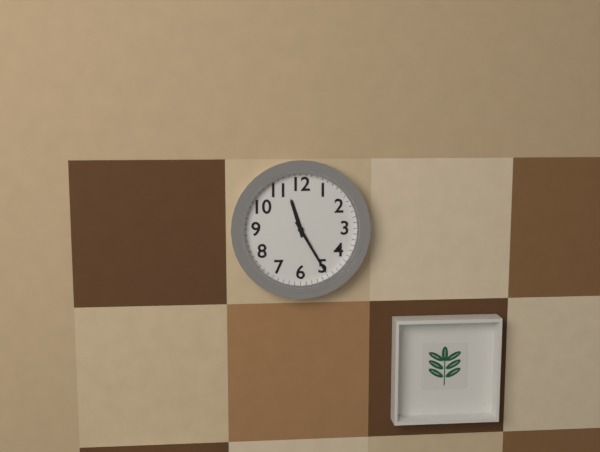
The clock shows 11.25
